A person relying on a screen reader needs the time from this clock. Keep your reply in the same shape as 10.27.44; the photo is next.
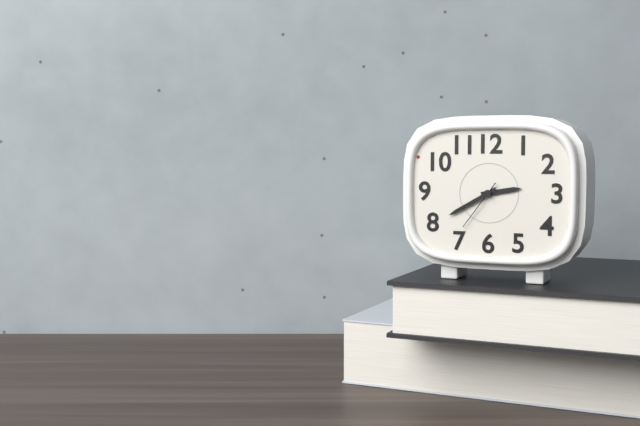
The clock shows 2.40.36
